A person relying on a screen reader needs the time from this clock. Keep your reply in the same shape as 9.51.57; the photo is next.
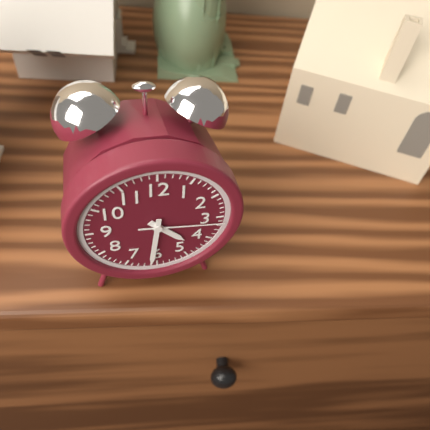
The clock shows 4.31.16
